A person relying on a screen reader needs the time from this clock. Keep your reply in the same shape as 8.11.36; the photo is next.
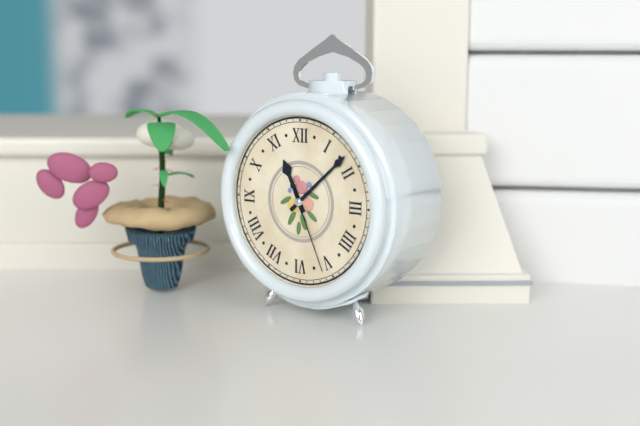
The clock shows 11.08.26
